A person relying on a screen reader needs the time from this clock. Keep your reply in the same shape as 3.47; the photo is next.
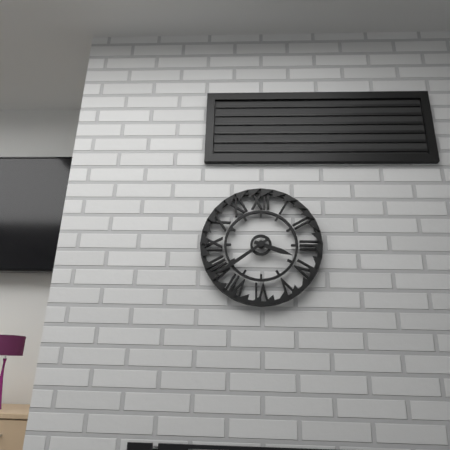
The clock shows 3.39
